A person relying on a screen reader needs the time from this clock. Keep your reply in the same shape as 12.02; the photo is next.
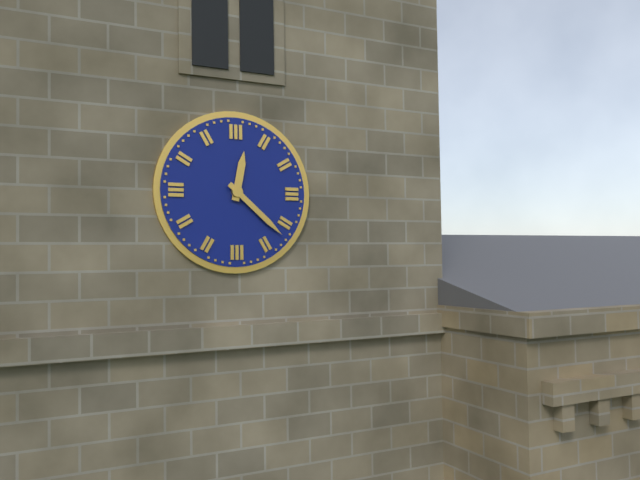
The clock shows 12.22
